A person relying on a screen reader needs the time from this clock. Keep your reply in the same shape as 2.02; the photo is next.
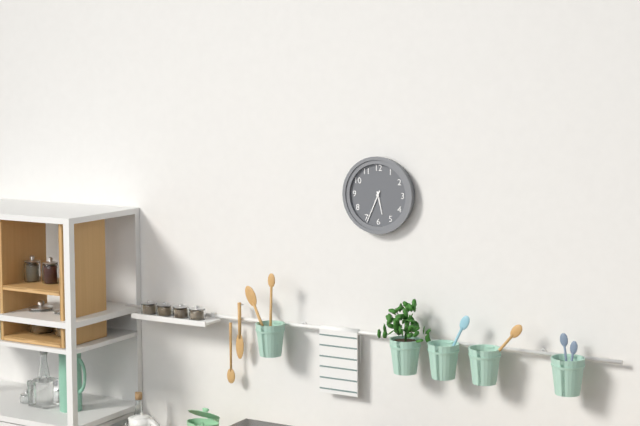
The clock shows 5.34
